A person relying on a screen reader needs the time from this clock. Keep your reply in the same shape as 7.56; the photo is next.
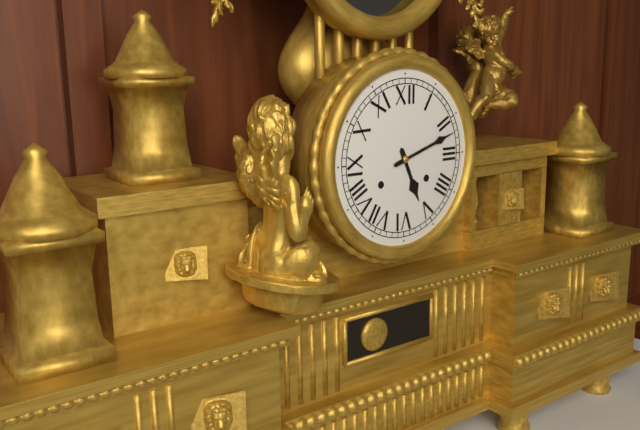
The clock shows 5.12
